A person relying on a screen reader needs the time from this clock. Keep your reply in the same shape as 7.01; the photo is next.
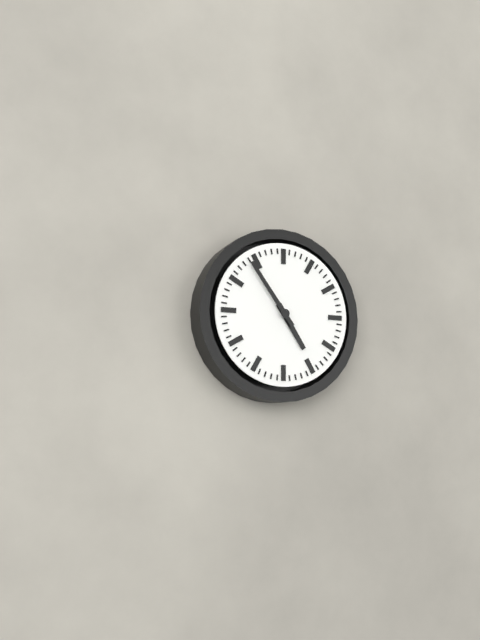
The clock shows 4.54
